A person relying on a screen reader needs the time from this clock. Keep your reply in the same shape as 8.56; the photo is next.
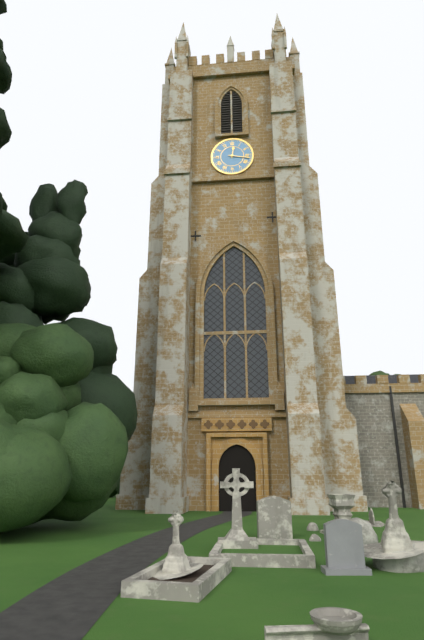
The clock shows 12.17
